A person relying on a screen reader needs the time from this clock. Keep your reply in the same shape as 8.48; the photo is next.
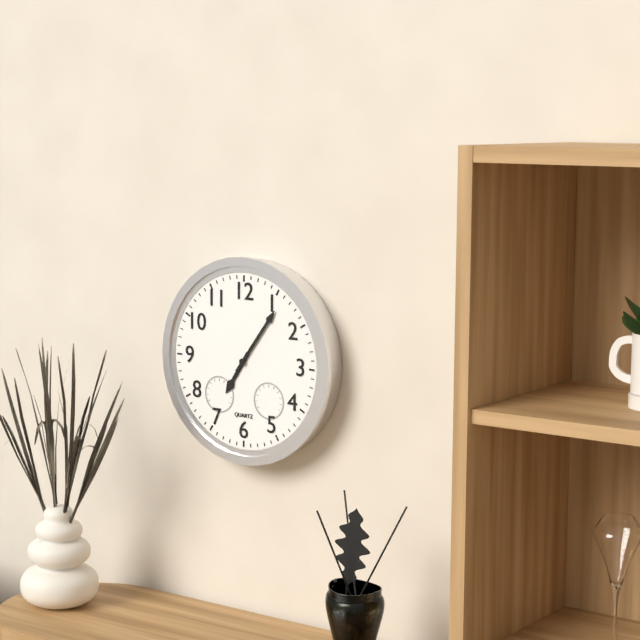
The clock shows 7.06
